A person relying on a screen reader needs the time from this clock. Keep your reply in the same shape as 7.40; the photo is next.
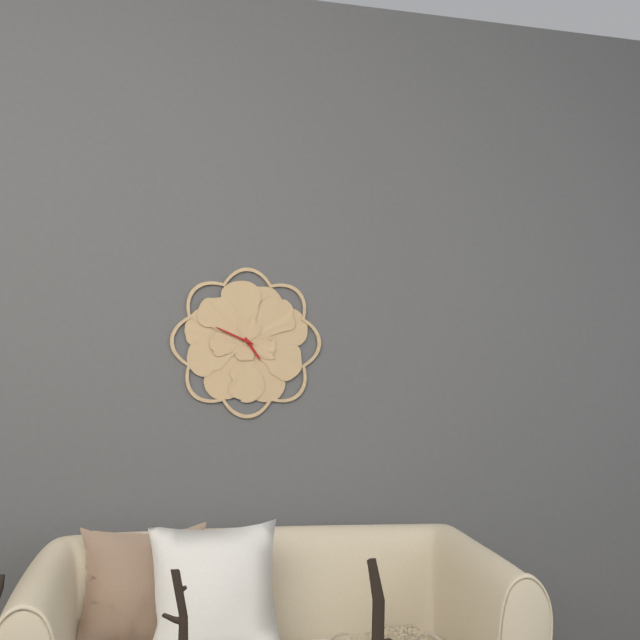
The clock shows 4.49
